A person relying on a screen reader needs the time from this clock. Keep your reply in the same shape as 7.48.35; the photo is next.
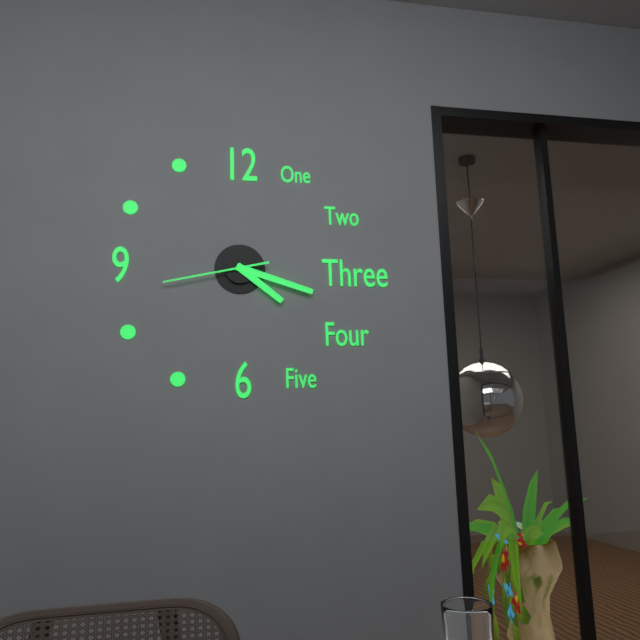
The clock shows 4.18.43
